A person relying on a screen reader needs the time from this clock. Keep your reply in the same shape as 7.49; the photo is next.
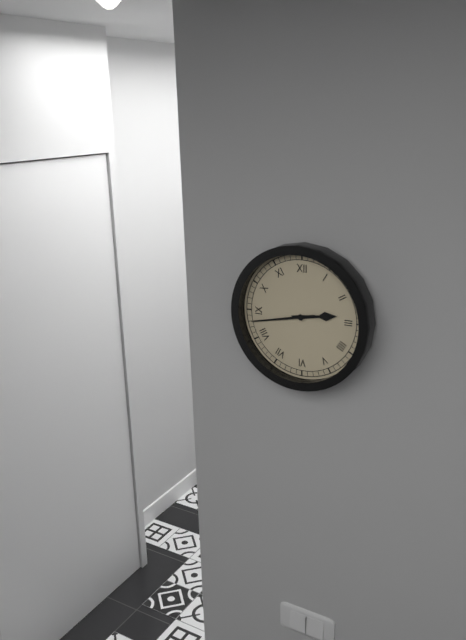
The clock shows 2.43
